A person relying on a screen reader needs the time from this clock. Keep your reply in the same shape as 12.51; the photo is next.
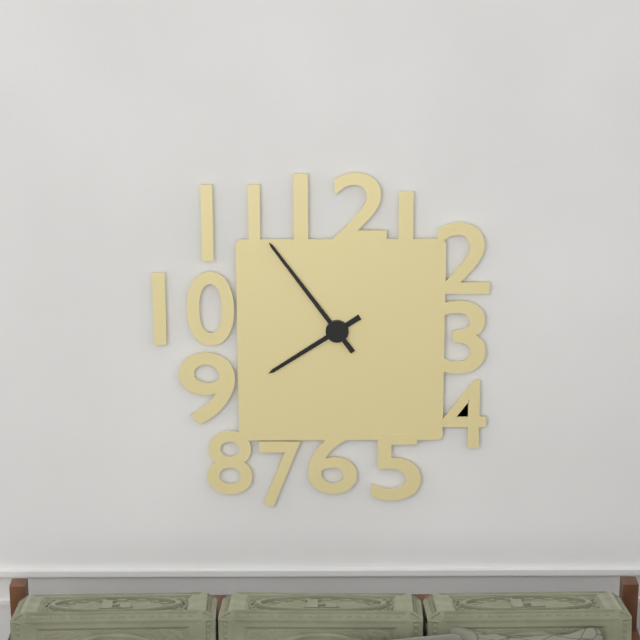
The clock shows 7.54
